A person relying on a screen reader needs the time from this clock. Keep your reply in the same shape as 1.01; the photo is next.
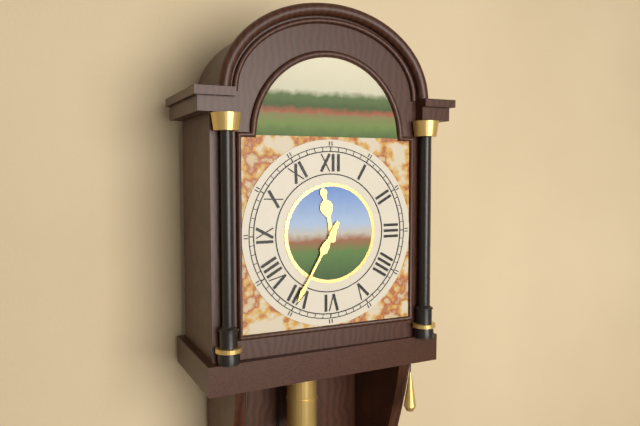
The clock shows 11.35
